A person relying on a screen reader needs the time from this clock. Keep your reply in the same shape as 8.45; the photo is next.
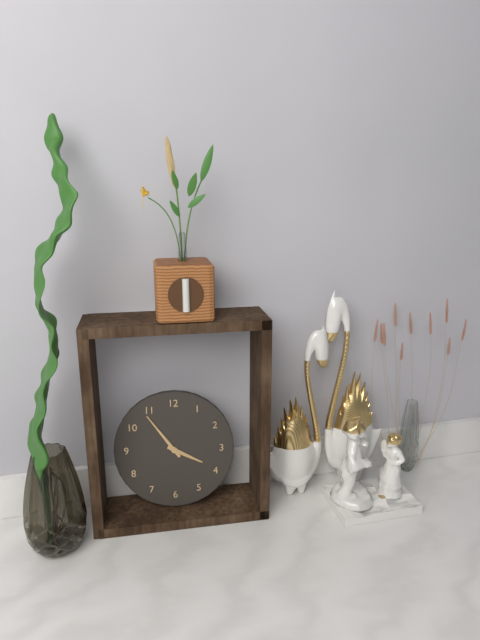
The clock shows 3.54
